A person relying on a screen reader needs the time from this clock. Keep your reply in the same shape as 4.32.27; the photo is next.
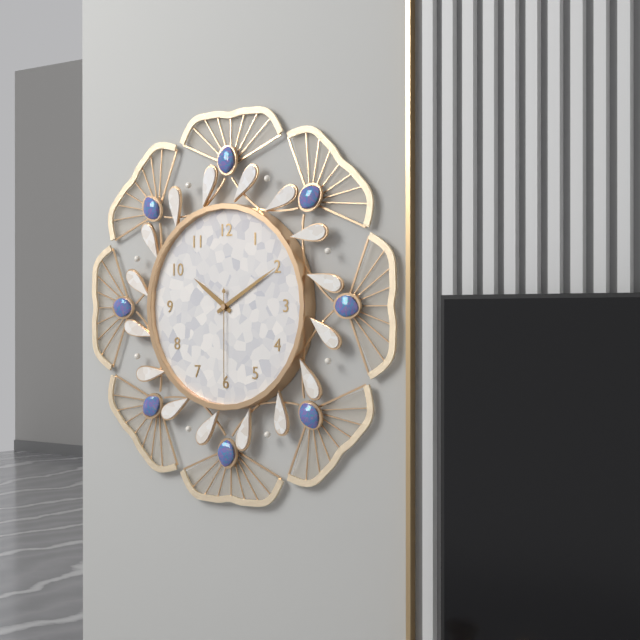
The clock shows 10.10.30
